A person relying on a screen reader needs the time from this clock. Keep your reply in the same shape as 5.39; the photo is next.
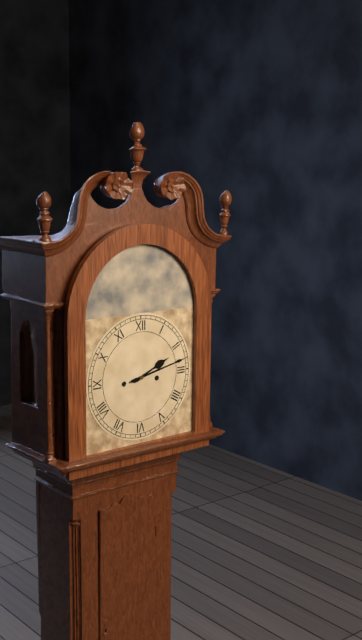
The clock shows 2.13
